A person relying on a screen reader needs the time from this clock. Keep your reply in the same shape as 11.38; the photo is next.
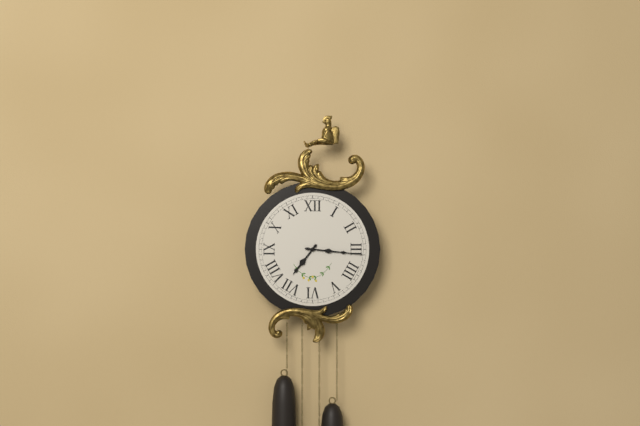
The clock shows 7.16
